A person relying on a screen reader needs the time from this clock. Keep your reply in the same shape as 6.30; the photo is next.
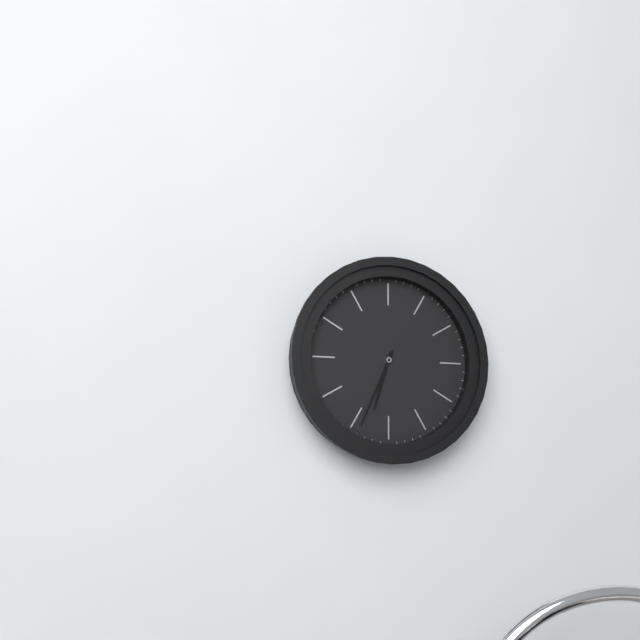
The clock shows 6.34
